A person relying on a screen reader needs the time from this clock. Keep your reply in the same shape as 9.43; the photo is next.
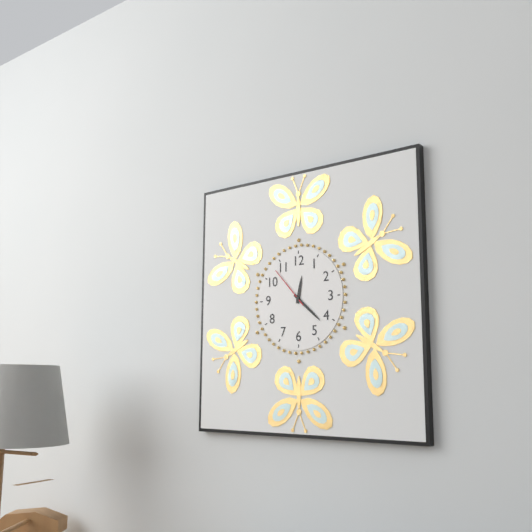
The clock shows 12.22
